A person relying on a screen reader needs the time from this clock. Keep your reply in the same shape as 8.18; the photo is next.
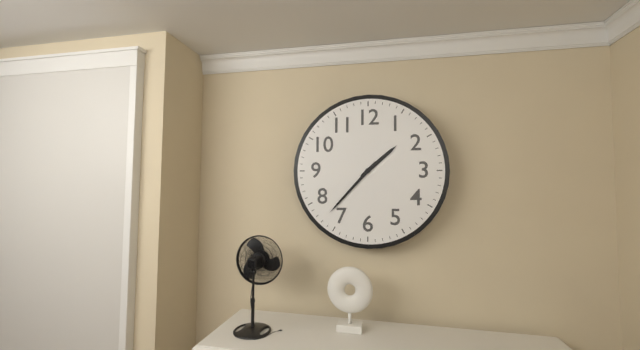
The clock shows 1.37
